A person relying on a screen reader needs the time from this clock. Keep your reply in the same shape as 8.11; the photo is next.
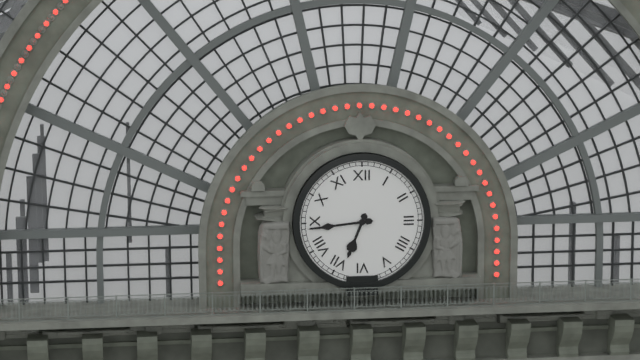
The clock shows 6.44
